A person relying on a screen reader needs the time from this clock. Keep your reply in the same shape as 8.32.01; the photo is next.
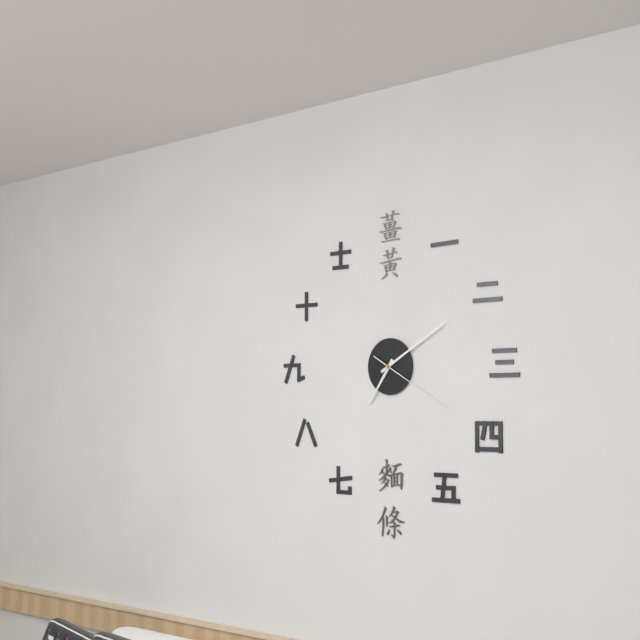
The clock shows 7.10.20
